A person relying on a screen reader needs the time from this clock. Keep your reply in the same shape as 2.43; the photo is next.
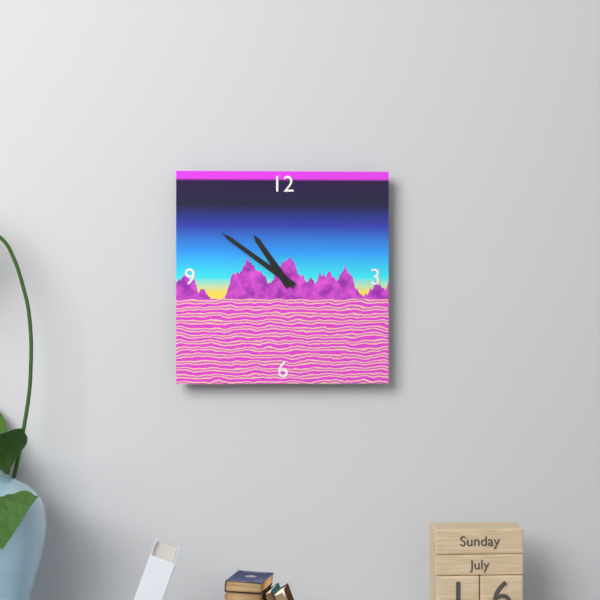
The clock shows 10.51
